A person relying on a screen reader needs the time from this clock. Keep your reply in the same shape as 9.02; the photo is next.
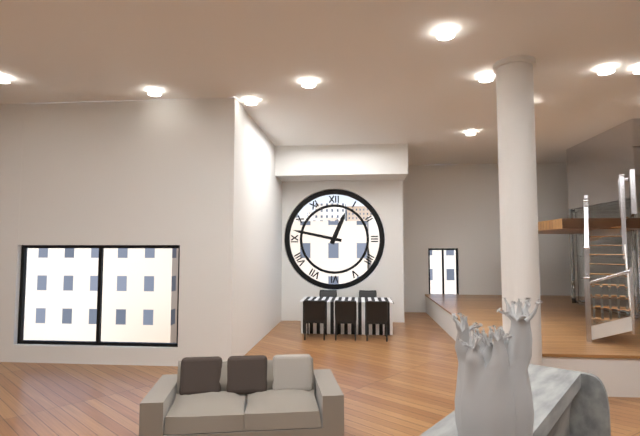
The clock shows 12.47
